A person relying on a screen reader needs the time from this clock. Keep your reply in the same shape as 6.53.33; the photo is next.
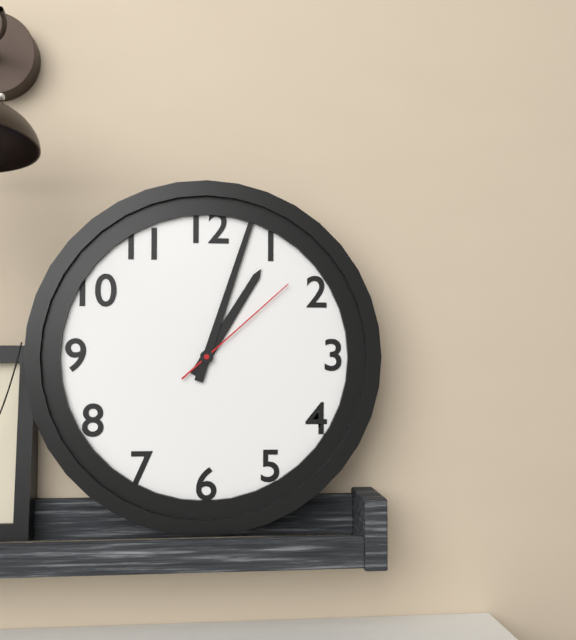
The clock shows 1.03.08
